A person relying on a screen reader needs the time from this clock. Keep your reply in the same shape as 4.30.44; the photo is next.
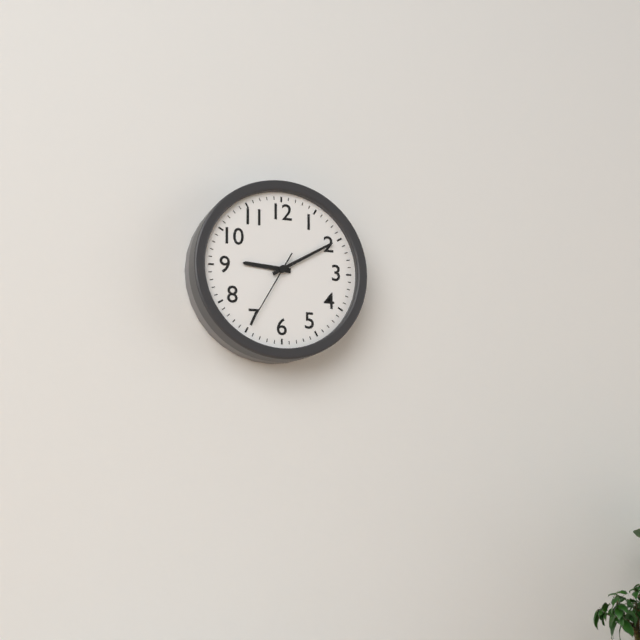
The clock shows 9.10.35
